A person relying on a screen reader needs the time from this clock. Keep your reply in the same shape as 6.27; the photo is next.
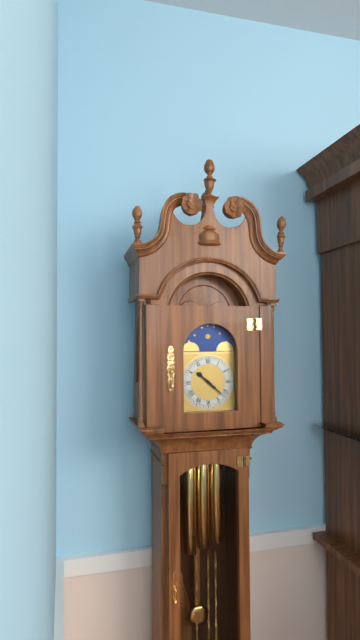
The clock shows 10.22
